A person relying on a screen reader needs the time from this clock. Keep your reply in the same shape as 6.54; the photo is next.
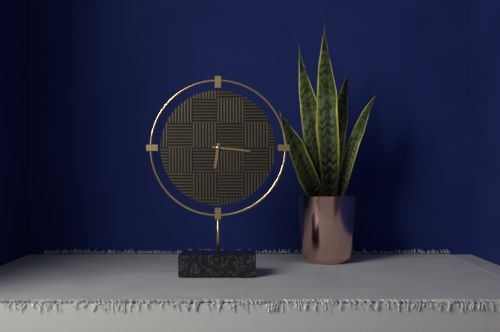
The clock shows 6.16
